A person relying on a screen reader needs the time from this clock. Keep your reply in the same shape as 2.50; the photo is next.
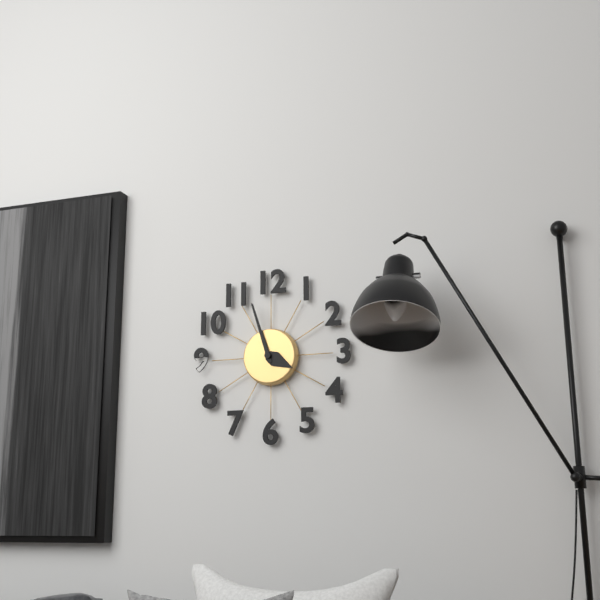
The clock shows 3.57
